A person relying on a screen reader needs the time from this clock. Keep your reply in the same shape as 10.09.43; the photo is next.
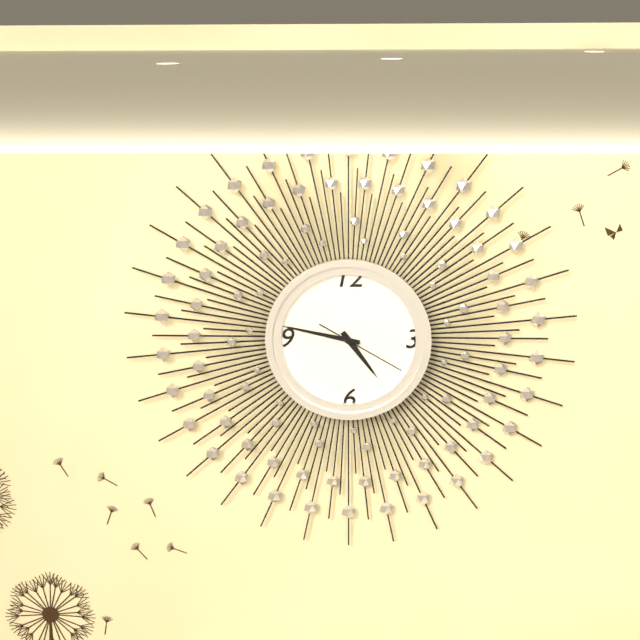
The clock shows 4.47.20
